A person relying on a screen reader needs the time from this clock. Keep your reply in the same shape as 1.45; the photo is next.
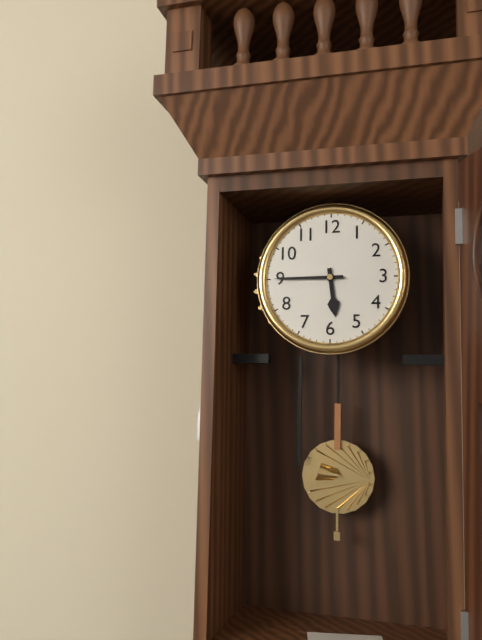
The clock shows 5.45
